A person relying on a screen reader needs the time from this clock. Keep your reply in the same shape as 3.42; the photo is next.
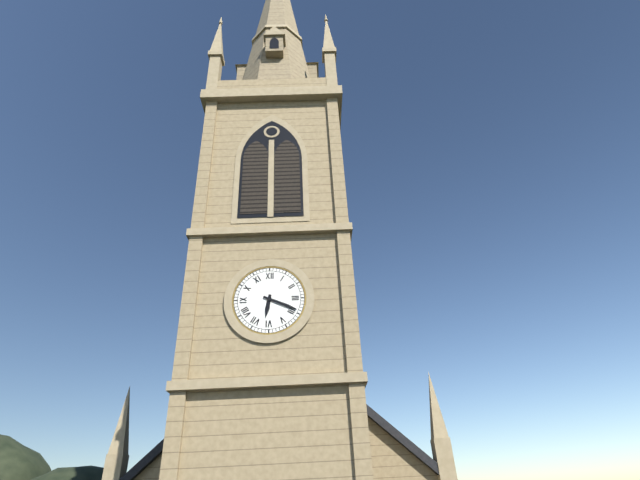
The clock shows 6.19
